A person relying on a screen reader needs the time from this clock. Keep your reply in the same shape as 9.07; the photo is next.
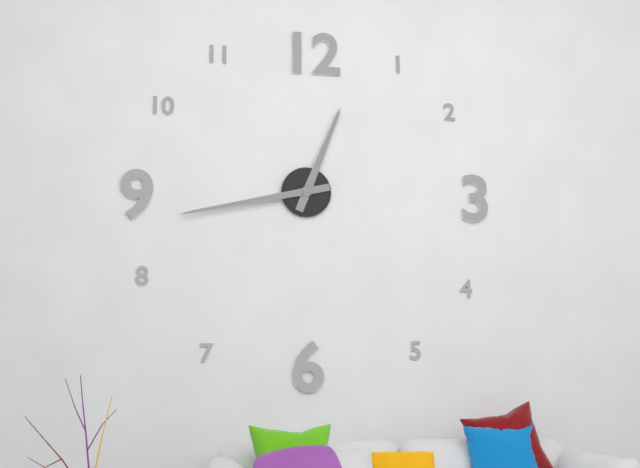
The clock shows 12.43
